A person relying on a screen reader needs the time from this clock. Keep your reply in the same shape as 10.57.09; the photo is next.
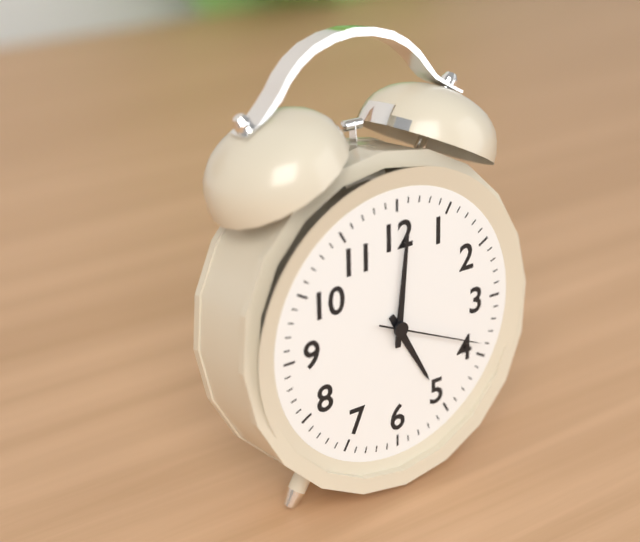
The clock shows 5.01.19
